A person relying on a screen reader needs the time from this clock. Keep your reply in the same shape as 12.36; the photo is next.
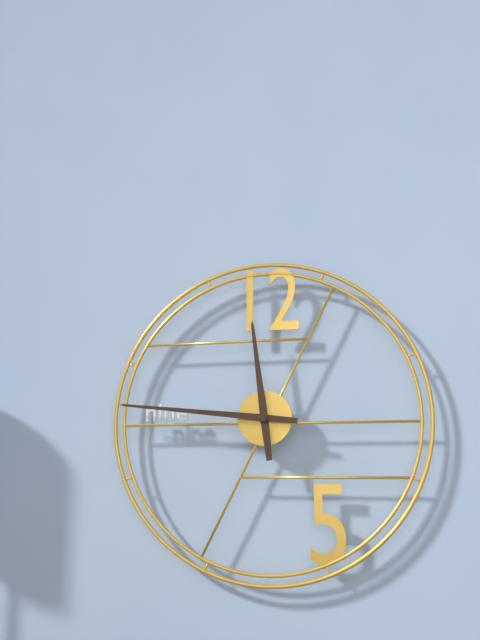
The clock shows 11.46
